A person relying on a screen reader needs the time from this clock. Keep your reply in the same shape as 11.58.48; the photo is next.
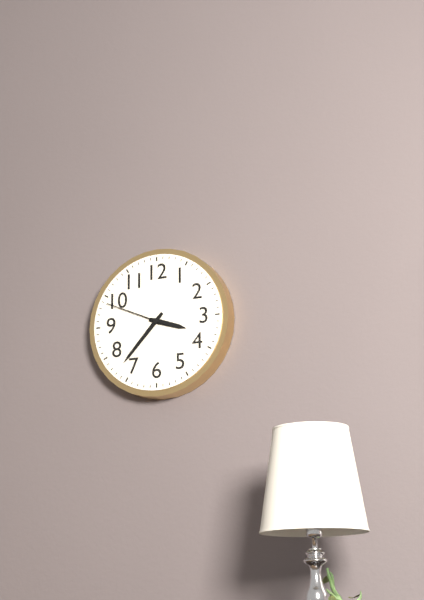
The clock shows 3.37.49
